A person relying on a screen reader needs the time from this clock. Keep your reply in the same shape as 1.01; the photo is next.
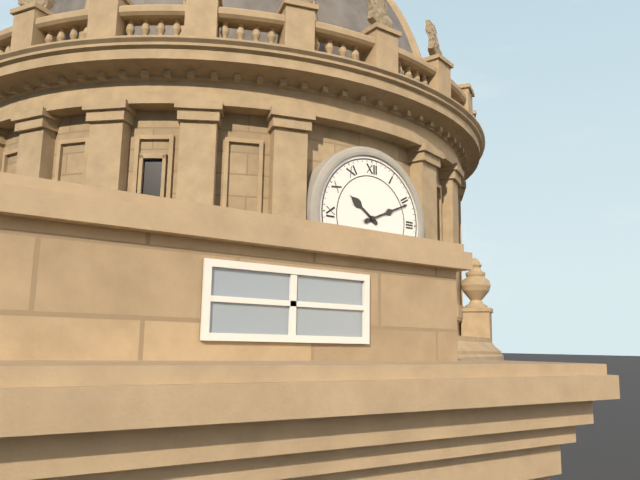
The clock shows 10.11
